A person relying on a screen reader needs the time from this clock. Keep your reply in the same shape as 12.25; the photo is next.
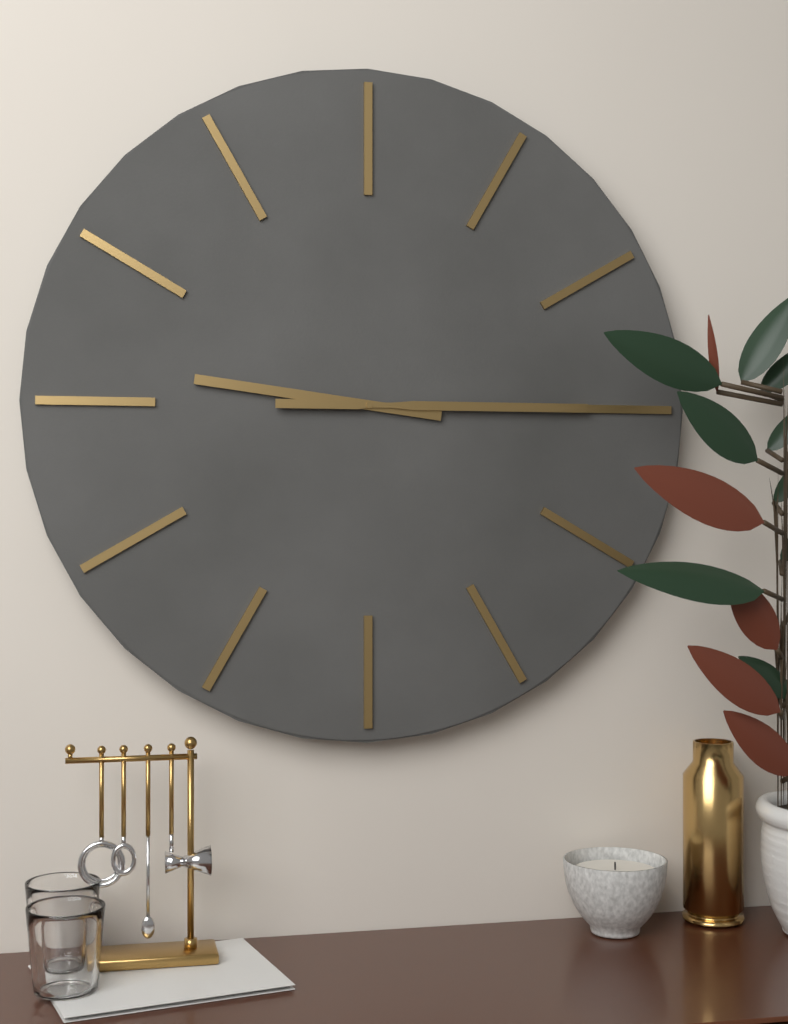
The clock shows 9.15
